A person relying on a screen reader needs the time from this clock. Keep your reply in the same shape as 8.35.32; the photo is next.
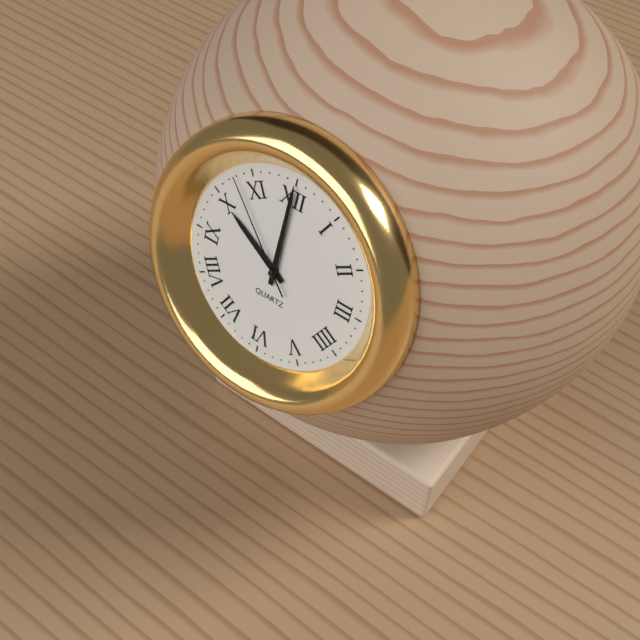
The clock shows 10.00.53
